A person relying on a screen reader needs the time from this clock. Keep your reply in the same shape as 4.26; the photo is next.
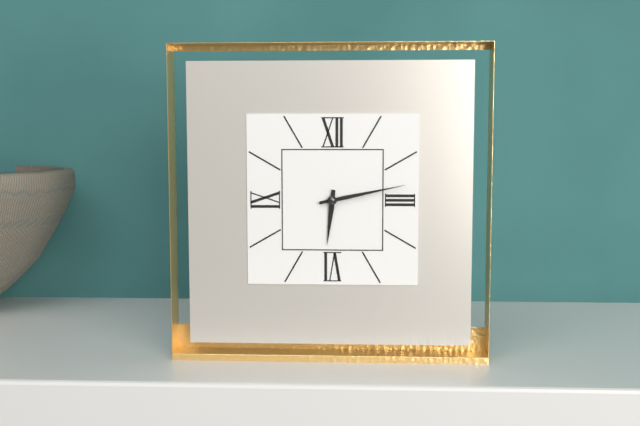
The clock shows 6.13
